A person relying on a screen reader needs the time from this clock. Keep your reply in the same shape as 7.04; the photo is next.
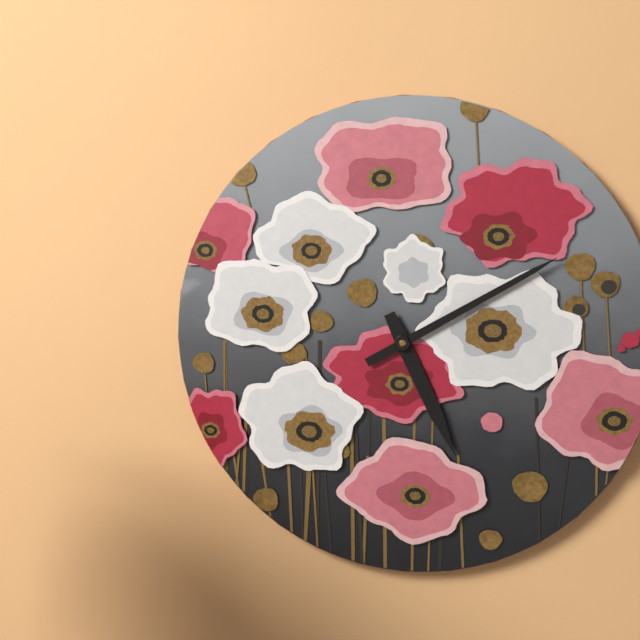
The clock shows 5.10
